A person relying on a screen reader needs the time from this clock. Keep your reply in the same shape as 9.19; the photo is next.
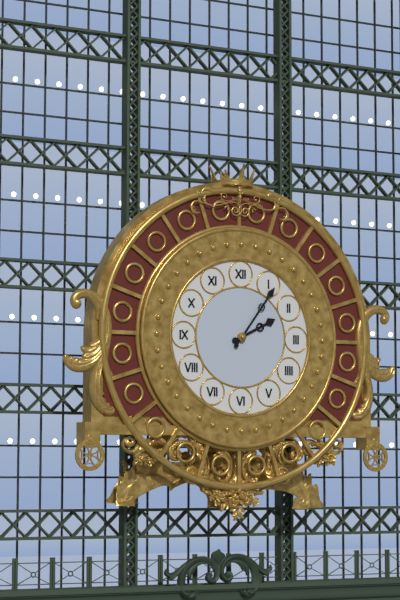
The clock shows 2.06
